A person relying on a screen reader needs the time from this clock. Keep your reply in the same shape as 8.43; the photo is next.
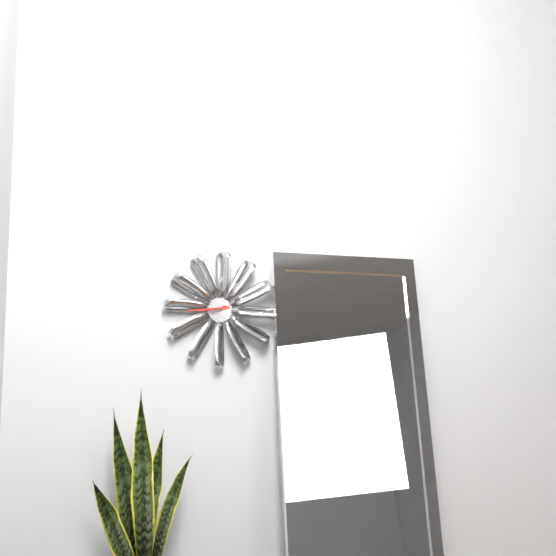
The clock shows 8.44
